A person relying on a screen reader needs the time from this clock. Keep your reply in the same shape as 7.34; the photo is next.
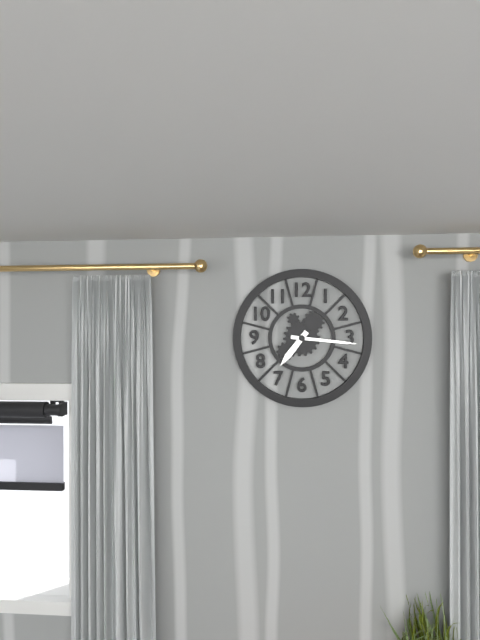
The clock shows 7.16
